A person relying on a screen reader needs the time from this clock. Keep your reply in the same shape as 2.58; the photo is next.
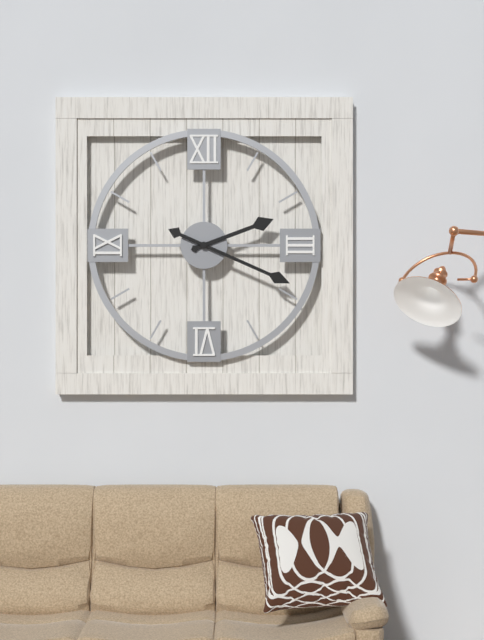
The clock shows 2.19
